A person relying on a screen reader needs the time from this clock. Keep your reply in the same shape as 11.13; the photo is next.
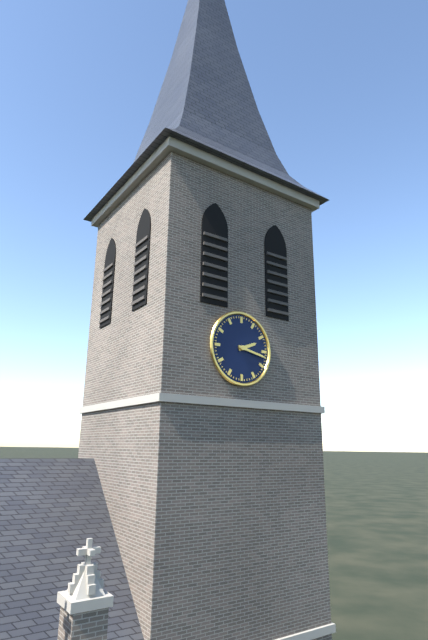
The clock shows 2.17
